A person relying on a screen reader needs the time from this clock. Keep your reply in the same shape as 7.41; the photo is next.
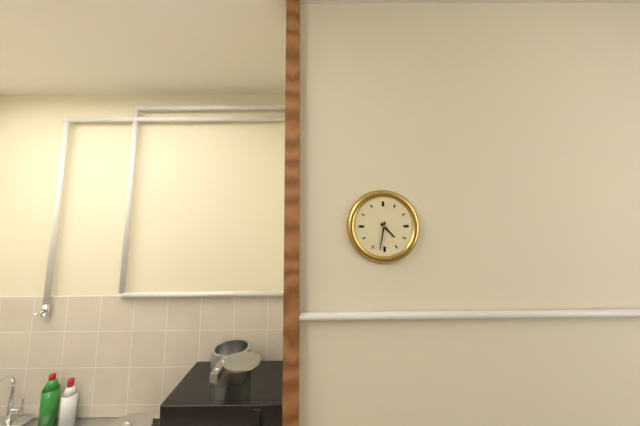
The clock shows 4.32
